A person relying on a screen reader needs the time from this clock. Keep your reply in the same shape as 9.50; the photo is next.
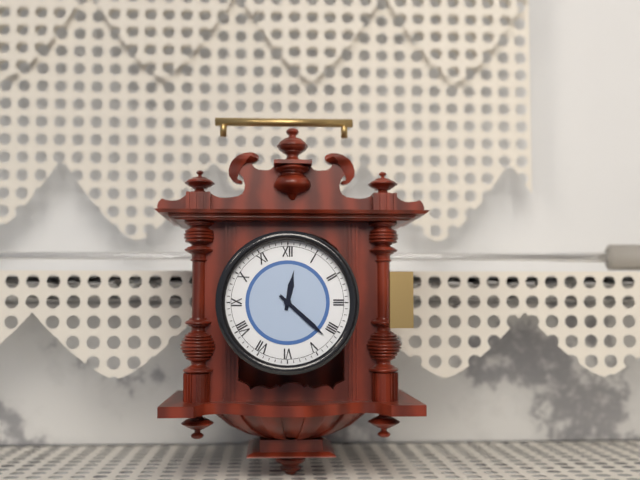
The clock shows 12.22
